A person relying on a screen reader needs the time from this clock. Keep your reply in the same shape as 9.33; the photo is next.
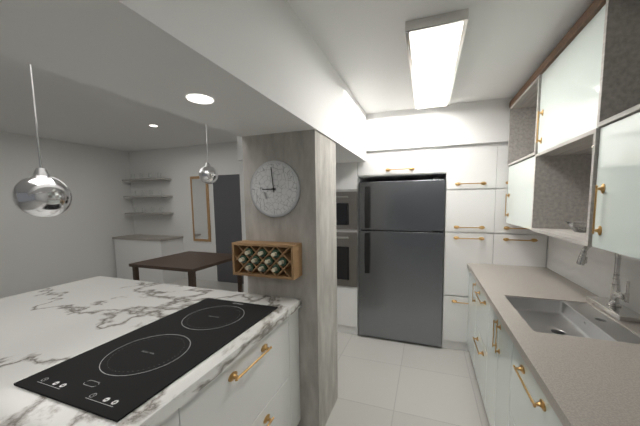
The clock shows 8.59
